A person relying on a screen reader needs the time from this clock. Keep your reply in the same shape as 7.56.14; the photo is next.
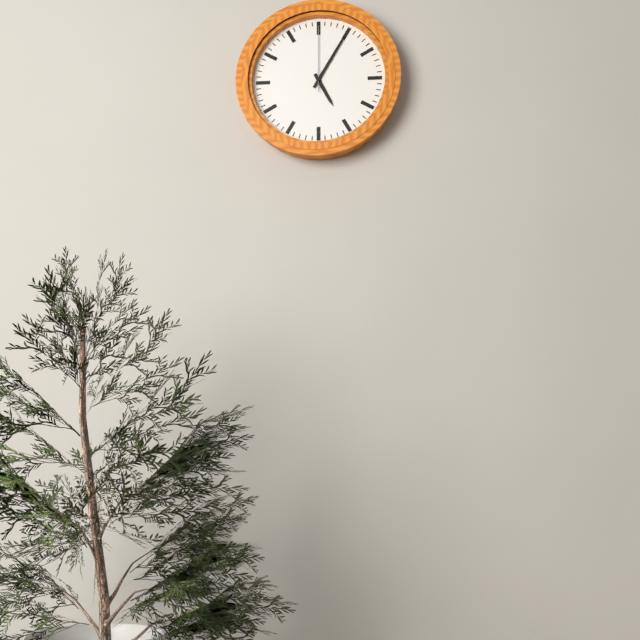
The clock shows 5.05.00
